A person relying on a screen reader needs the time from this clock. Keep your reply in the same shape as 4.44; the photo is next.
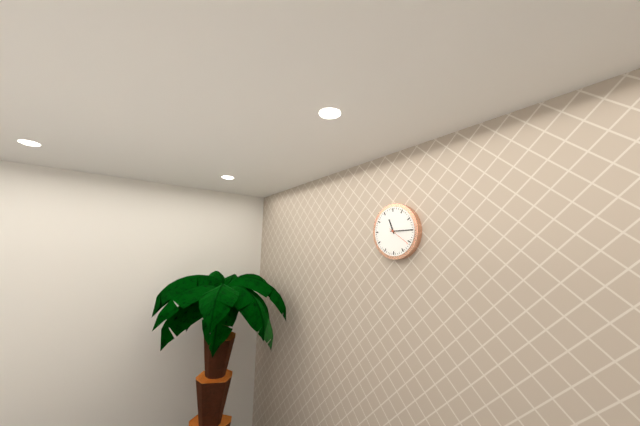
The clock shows 11.15
